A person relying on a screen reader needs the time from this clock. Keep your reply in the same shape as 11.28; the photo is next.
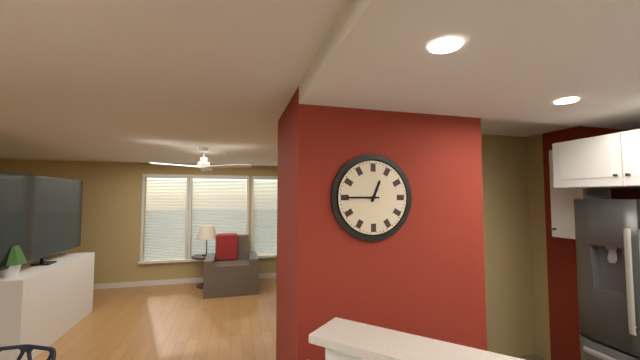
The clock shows 12.45
